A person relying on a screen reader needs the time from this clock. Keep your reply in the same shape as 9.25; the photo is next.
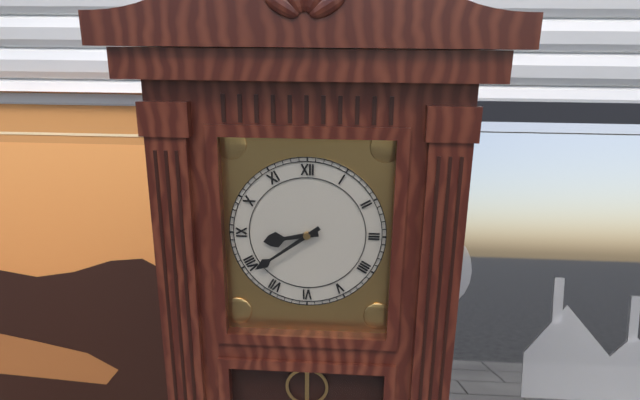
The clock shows 8.39
